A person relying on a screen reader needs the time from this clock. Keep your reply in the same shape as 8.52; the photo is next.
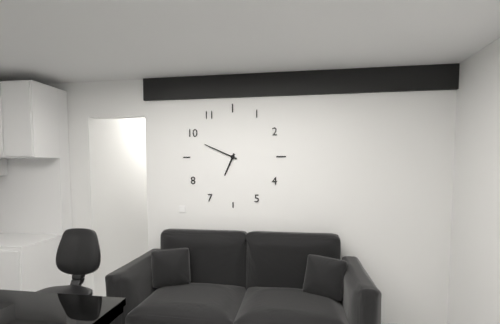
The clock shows 6.49
